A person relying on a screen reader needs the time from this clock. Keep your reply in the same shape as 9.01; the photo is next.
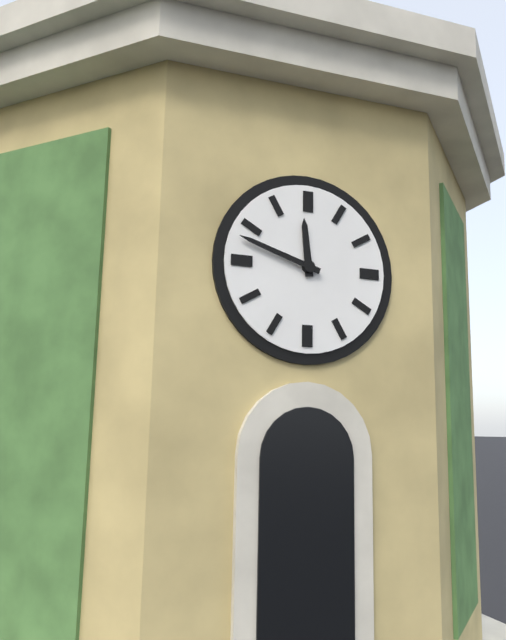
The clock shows 11.48
